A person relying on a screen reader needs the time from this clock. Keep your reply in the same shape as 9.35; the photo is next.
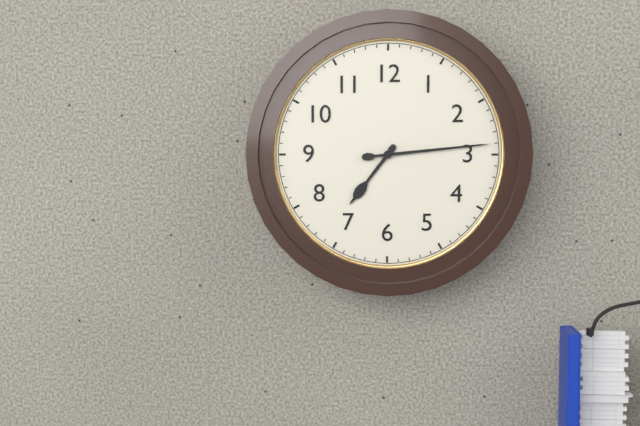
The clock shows 7.14
